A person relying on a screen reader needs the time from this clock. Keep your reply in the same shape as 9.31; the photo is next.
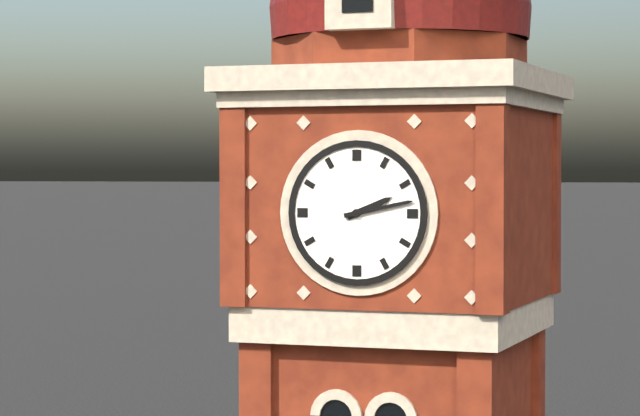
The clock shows 2.13
